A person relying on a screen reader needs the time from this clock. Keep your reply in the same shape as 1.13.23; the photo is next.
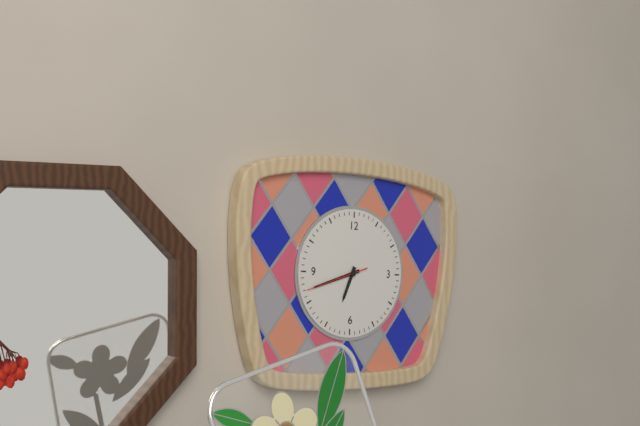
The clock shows 6.42.42
